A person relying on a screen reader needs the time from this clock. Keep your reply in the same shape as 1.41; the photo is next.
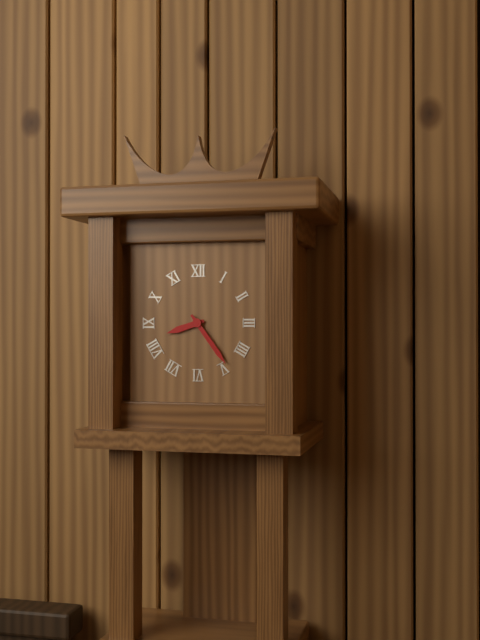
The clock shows 8.24
